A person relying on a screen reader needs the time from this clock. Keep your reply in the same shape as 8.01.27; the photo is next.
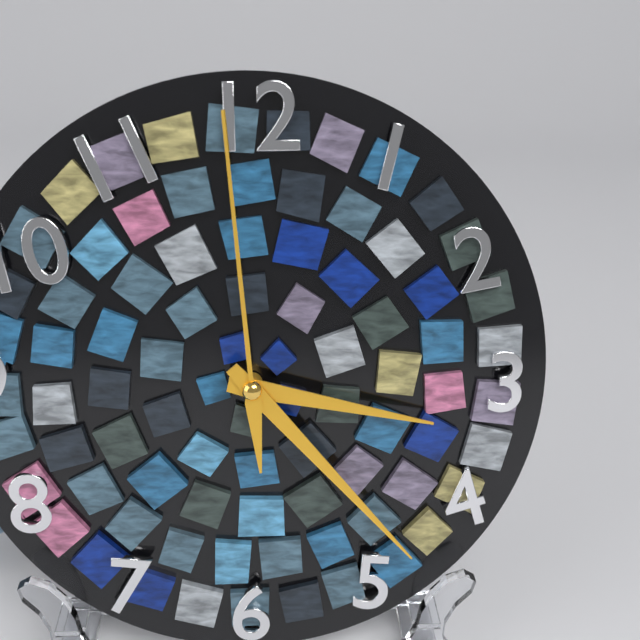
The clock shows 3.23.59
